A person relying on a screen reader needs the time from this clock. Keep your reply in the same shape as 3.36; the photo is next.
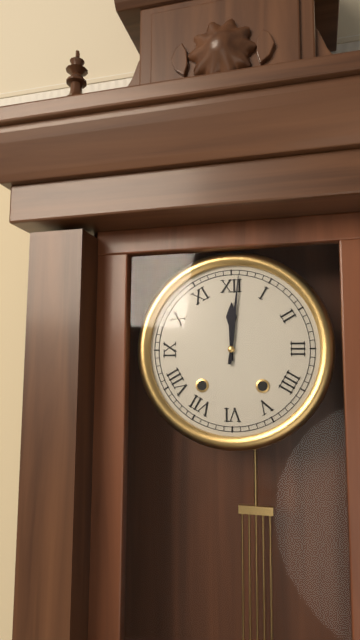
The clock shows 12.01
